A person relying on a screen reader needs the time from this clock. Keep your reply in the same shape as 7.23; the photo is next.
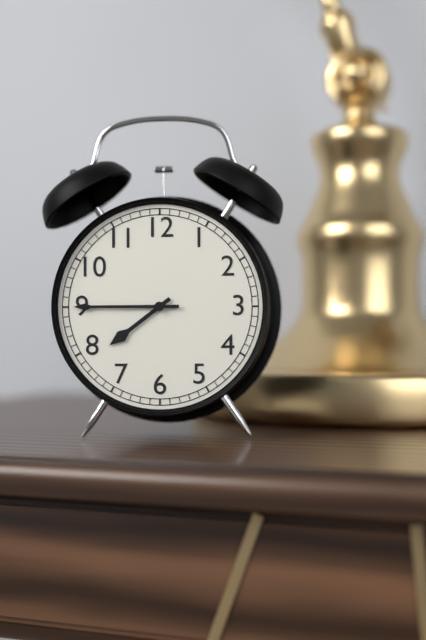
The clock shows 7.45
